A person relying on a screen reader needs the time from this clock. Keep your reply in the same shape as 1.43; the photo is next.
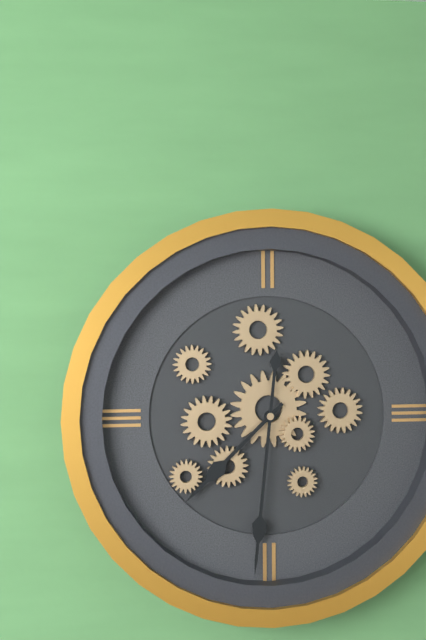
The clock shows 7.31
